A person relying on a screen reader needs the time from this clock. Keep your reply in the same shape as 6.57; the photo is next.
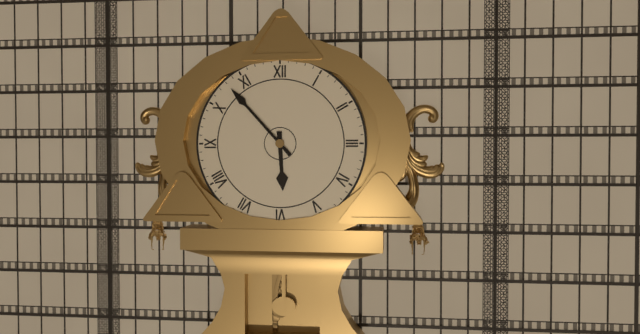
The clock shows 5.53
